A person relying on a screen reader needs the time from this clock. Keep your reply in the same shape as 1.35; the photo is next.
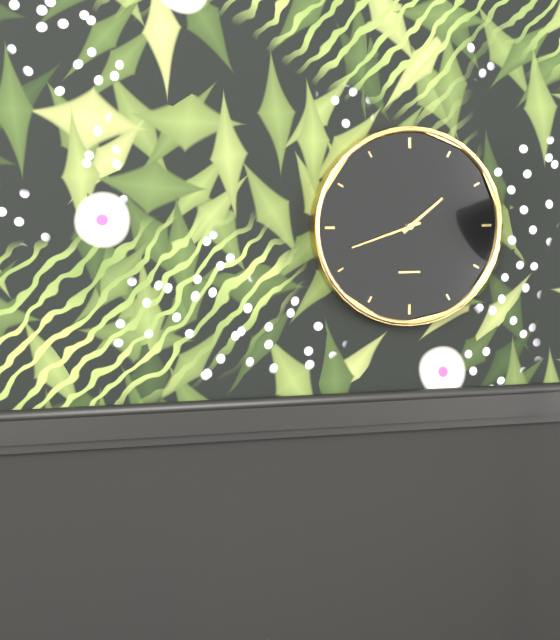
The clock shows 1.42
